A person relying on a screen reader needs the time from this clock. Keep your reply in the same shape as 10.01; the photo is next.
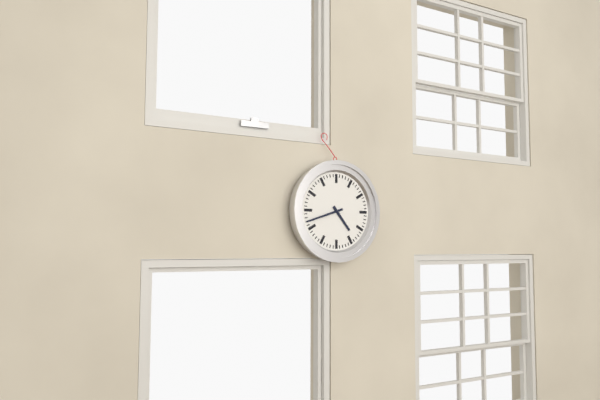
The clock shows 4.42
